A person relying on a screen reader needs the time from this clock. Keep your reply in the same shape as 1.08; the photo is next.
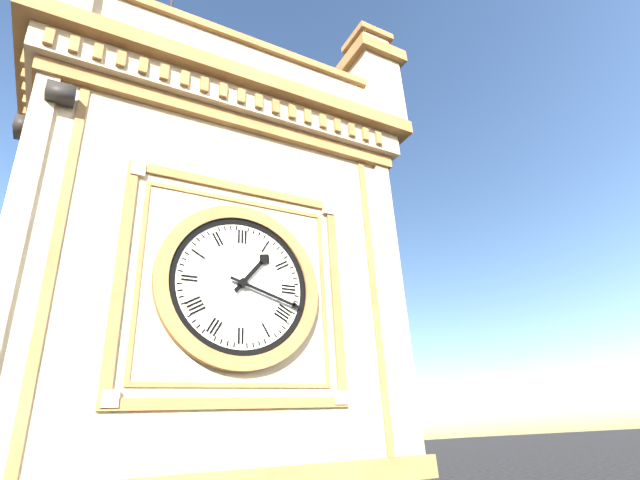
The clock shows 1.18
